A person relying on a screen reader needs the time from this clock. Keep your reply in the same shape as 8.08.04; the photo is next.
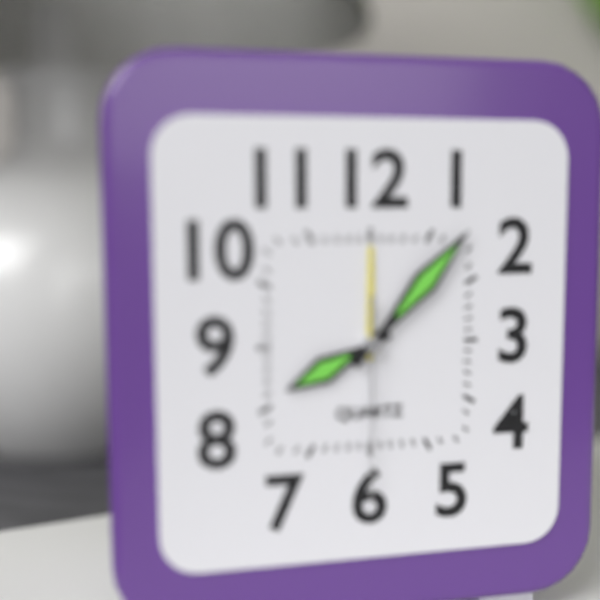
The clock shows 8.07.30
